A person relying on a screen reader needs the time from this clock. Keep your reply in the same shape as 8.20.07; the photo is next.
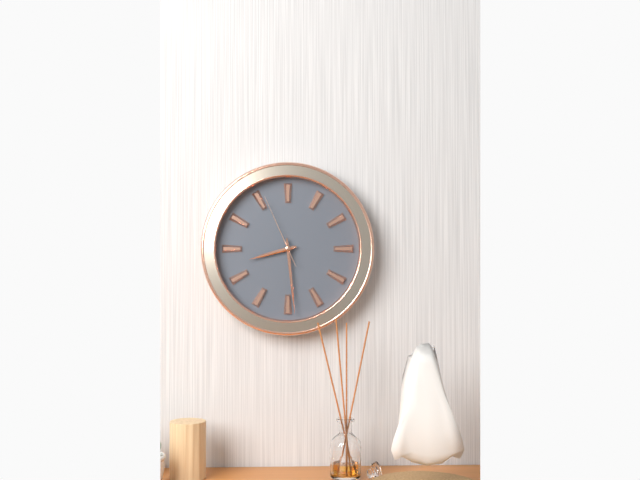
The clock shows 8.29.56
